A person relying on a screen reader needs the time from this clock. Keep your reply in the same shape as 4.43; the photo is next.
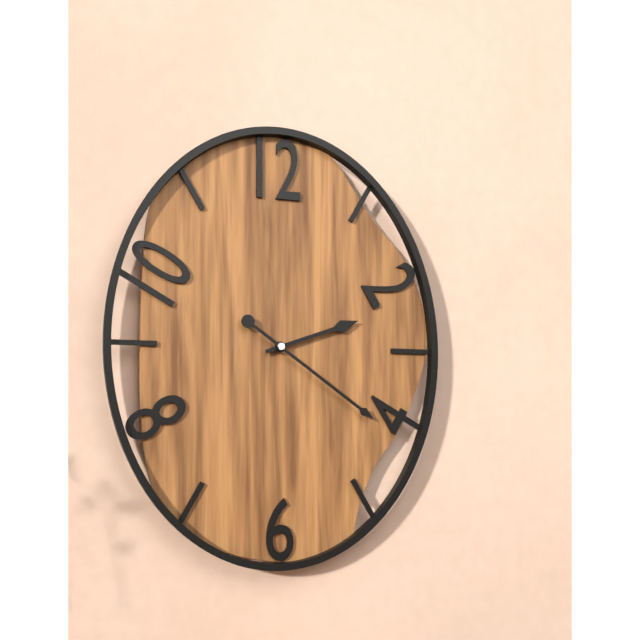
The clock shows 2.21
